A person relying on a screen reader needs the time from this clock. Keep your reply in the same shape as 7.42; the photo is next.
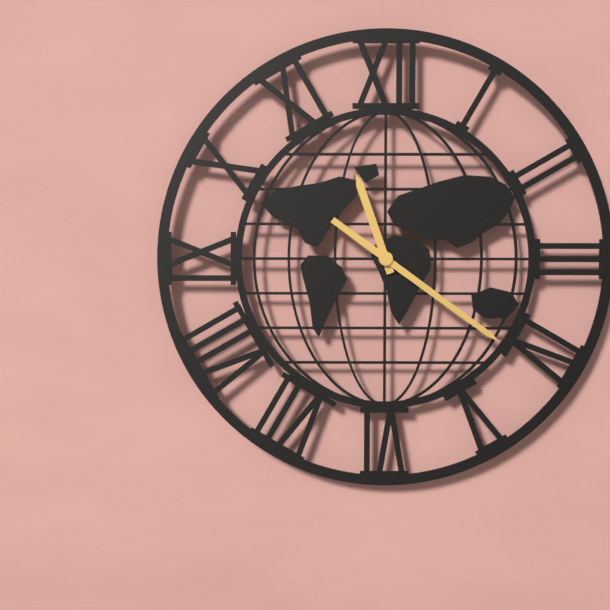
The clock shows 11.21
